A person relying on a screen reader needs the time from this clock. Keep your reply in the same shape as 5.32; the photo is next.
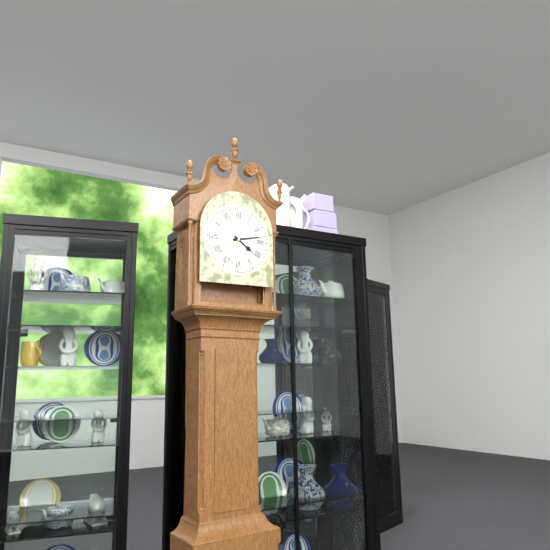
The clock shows 4.13
